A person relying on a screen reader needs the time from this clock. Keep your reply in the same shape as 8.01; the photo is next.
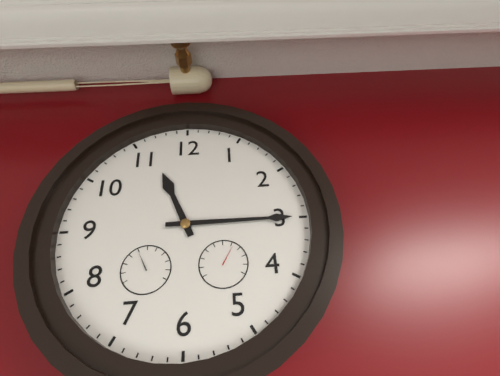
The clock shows 11.15
